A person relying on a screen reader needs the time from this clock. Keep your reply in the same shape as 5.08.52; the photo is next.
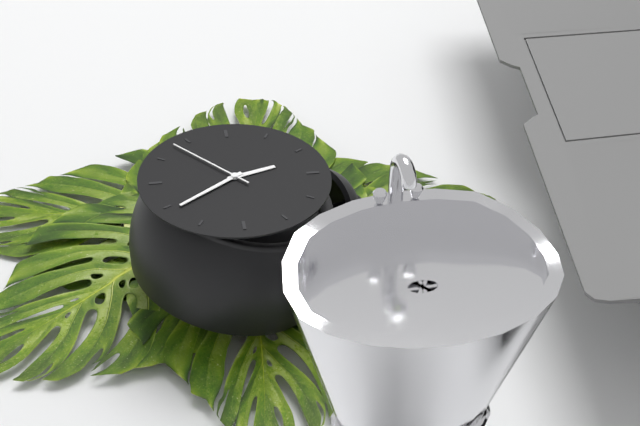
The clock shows 11.24.38
